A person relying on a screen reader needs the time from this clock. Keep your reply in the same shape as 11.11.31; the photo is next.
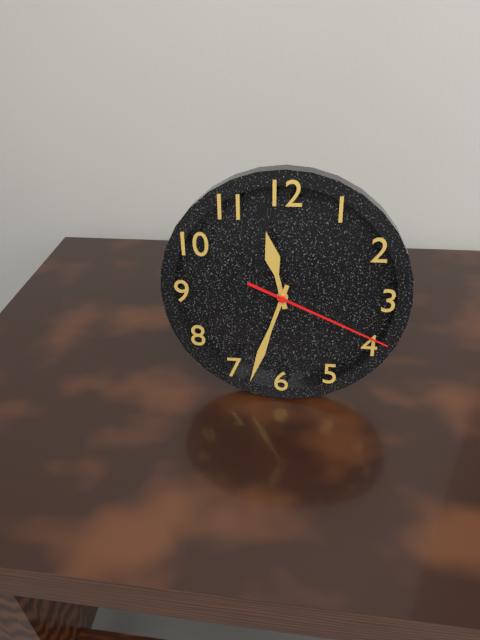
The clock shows 11.33.19
